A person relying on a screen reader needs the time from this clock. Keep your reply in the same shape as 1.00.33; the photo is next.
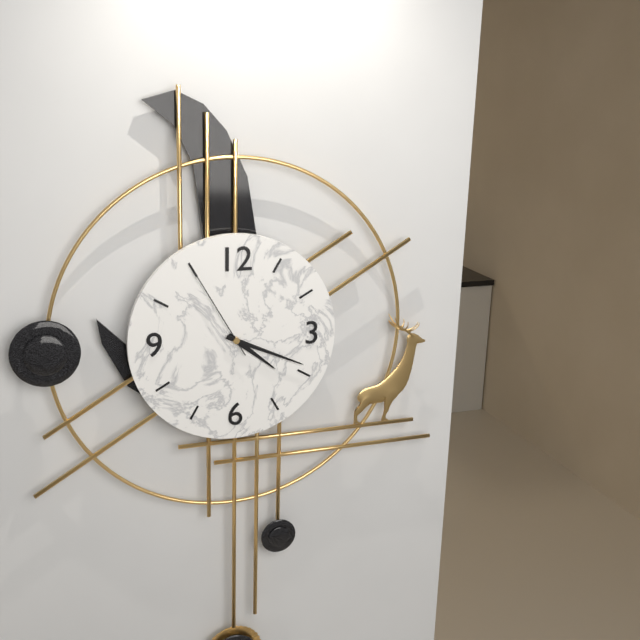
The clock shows 4.19.55
